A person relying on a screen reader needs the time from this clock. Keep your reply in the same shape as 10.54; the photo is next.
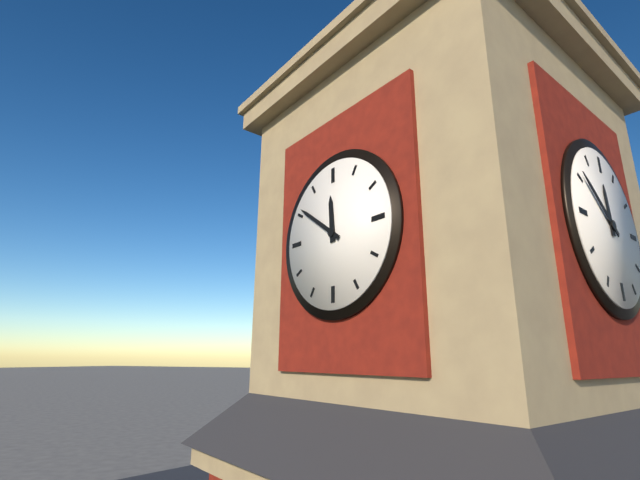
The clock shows 11.51
